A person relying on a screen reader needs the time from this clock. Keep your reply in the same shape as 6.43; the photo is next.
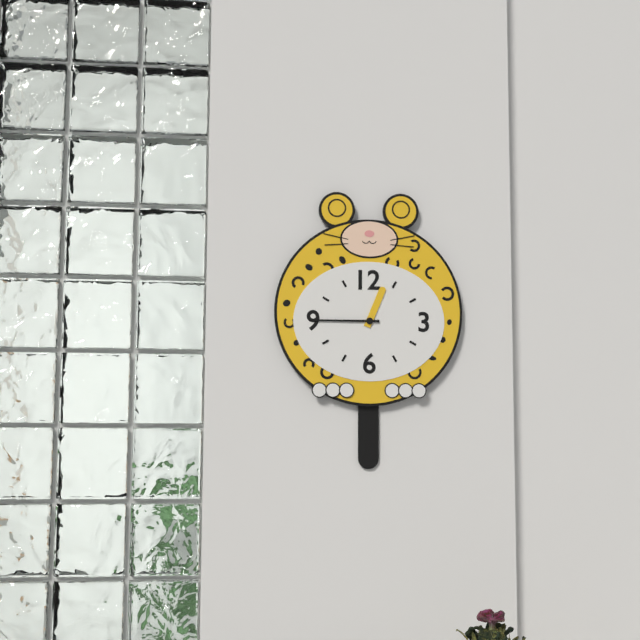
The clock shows 12.45
